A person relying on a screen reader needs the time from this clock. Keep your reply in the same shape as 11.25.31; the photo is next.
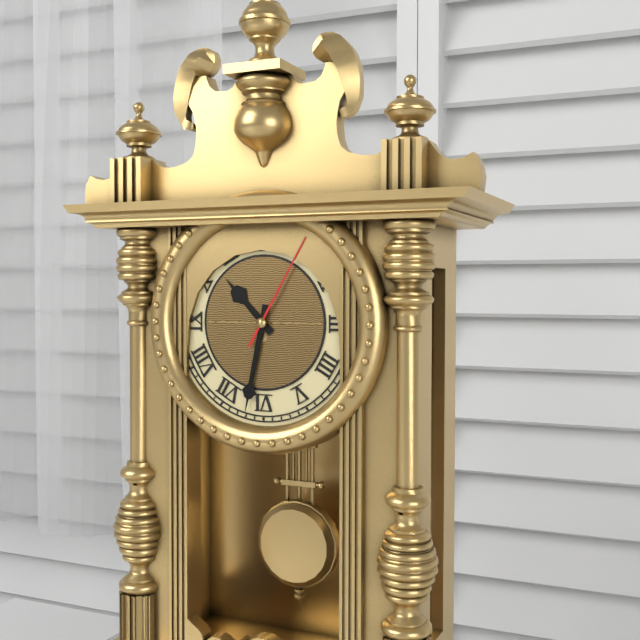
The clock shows 10.32.05
